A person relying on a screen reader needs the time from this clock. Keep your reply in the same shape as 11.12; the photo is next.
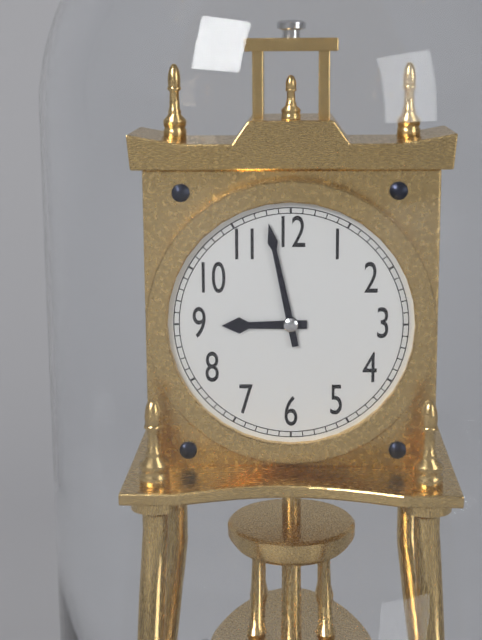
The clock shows 8.58
